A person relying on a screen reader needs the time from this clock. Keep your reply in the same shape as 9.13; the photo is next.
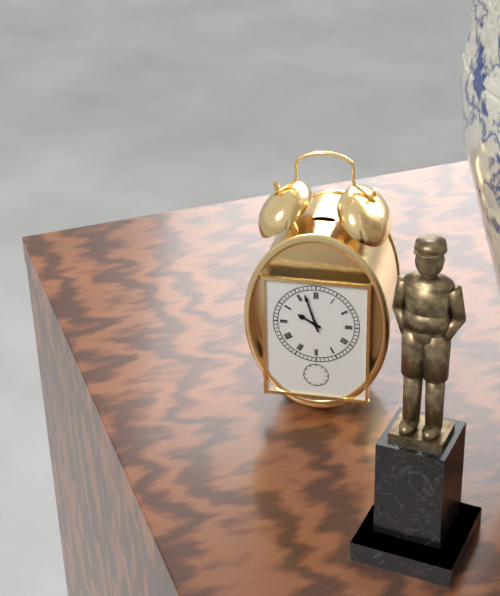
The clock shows 9.57
